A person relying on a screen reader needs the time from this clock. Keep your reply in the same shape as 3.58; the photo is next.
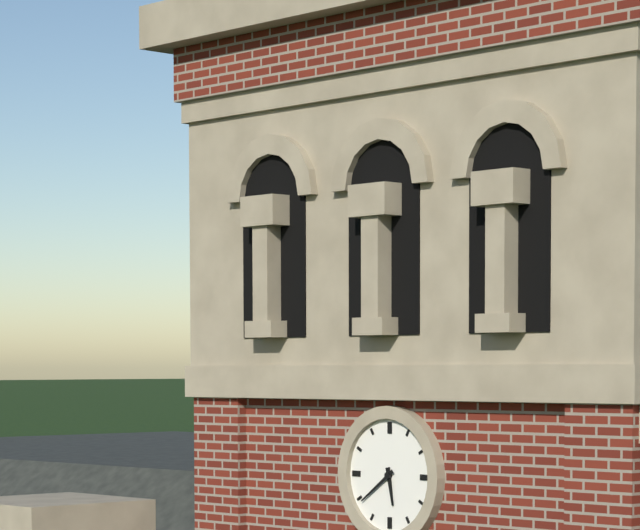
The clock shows 5.39
